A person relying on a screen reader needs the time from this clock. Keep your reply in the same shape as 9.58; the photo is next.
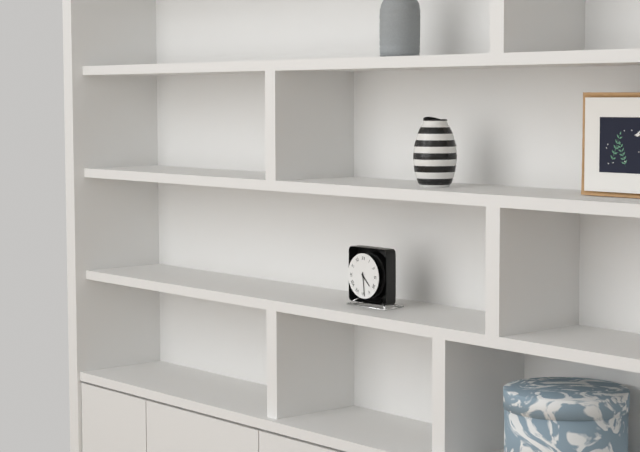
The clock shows 4.29
